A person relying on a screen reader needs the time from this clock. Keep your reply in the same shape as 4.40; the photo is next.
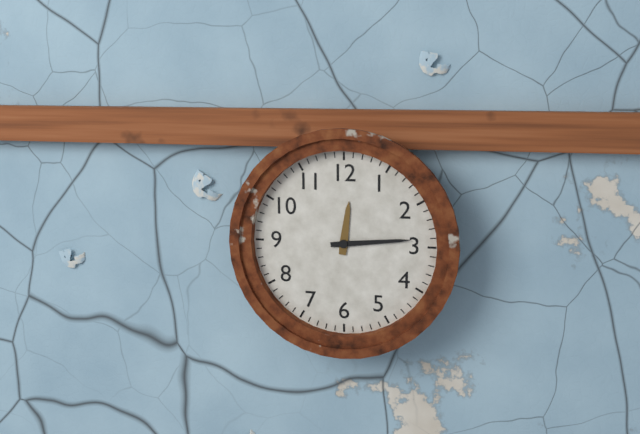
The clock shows 12.14
